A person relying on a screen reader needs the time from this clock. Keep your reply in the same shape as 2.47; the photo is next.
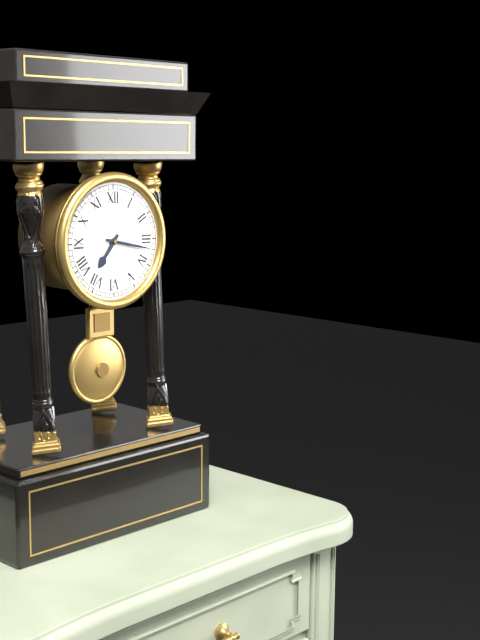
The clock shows 7.17
